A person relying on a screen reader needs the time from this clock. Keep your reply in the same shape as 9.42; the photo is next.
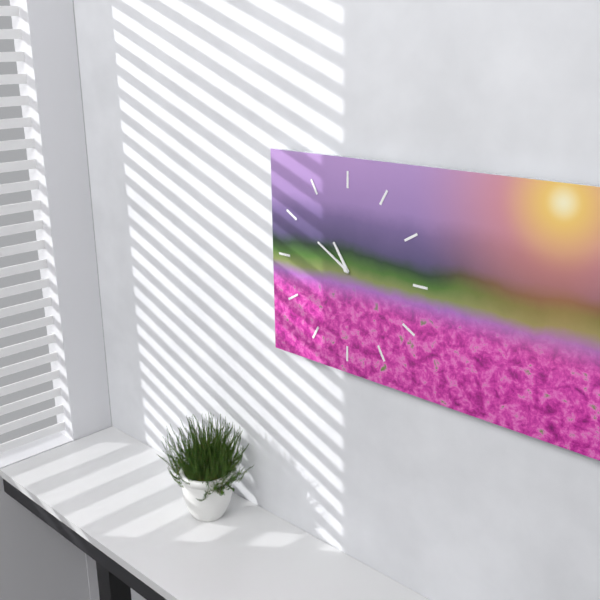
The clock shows 10.50
